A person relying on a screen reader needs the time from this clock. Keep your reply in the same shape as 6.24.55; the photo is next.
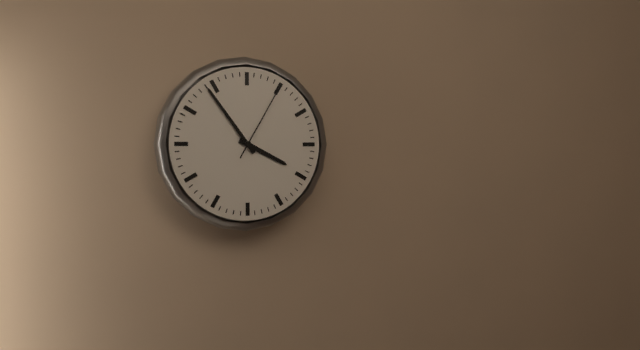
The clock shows 3.54.05
